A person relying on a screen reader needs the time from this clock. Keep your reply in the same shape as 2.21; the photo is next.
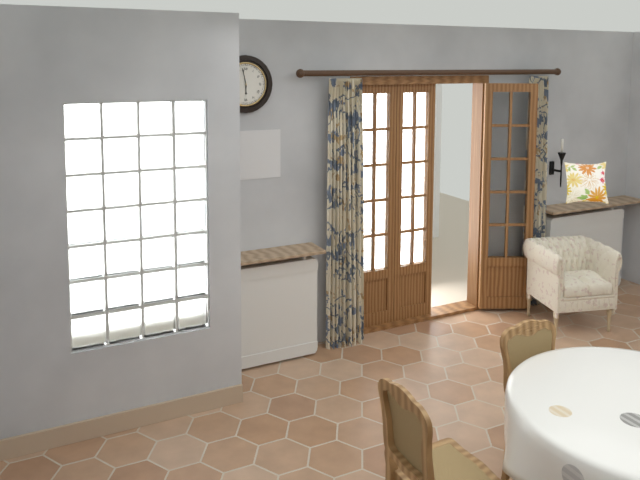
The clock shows 5.58
